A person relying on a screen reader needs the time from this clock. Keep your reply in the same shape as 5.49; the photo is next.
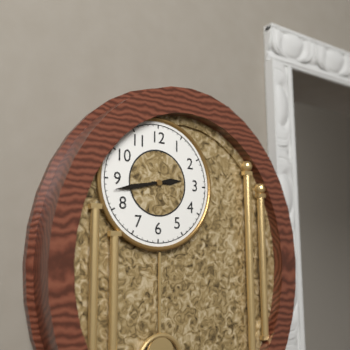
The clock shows 2.43
